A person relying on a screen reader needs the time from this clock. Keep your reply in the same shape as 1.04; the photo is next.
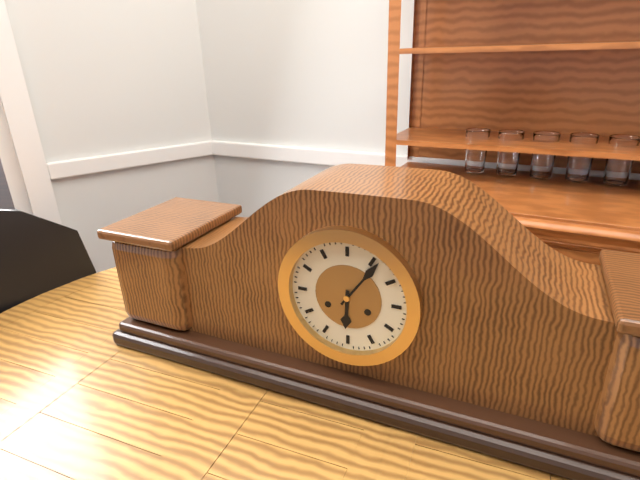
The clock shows 6.06
